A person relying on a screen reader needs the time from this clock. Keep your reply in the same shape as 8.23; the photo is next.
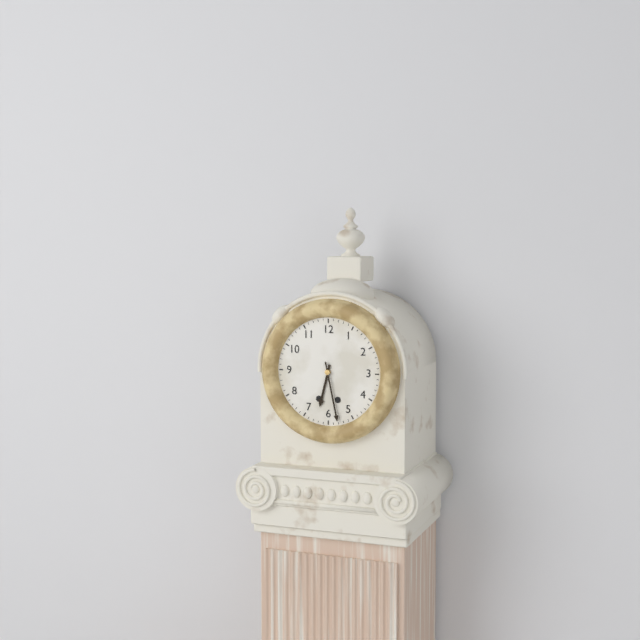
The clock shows 6.28
